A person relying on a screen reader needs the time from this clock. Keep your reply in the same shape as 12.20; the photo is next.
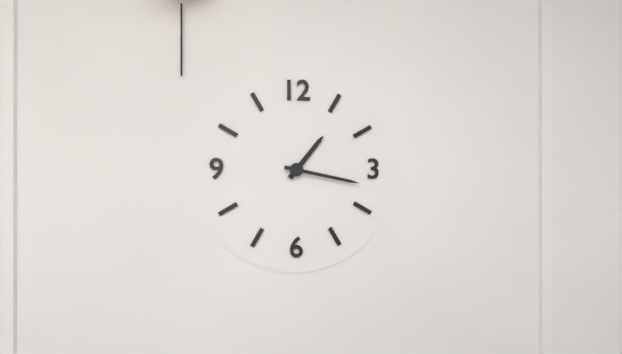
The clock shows 1.17
